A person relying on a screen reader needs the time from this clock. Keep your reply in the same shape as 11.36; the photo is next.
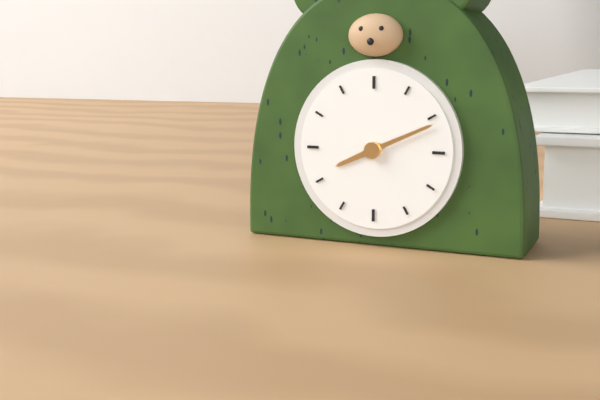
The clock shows 8.11
